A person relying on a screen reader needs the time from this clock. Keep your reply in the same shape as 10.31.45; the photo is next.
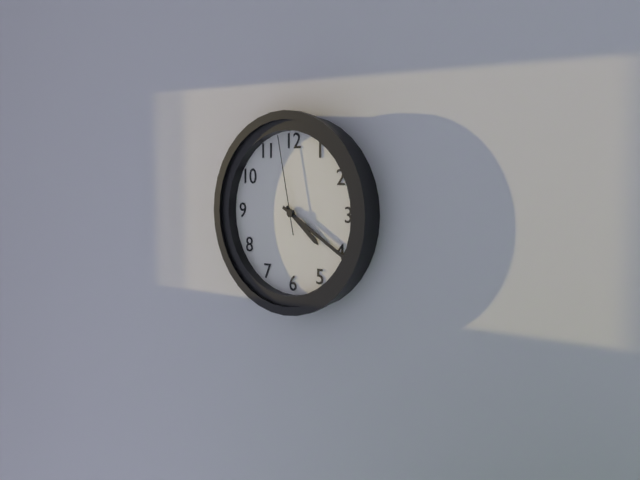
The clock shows 4.20.58
